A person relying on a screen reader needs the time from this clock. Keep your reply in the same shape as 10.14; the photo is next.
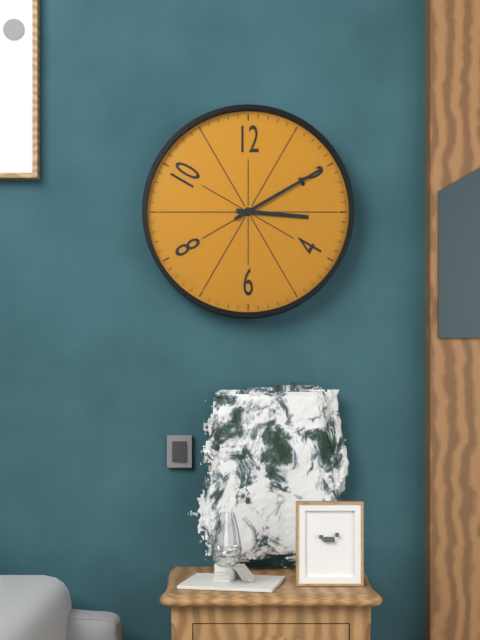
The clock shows 3.10
